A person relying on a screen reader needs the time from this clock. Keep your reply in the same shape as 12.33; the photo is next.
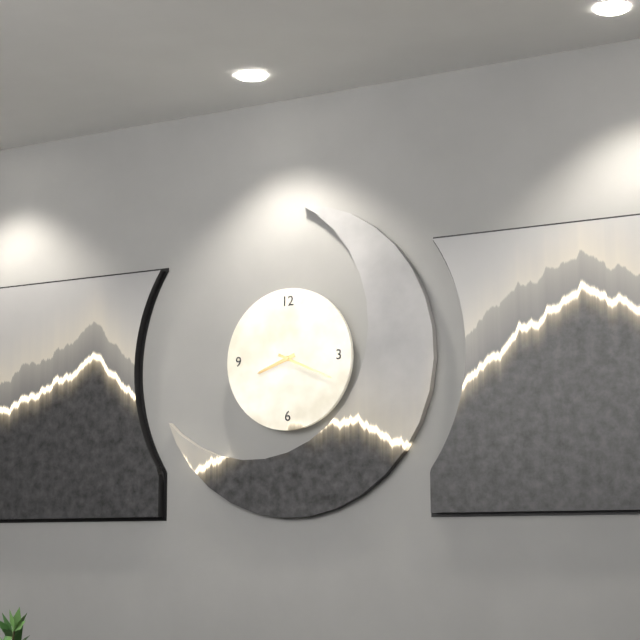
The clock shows 8.19
